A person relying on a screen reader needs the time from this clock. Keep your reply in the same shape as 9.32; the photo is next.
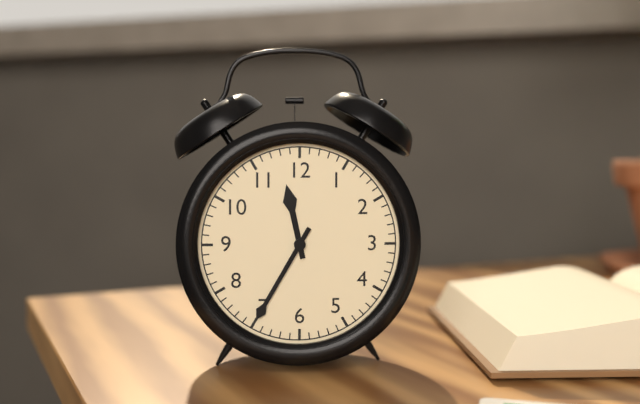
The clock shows 11.35
